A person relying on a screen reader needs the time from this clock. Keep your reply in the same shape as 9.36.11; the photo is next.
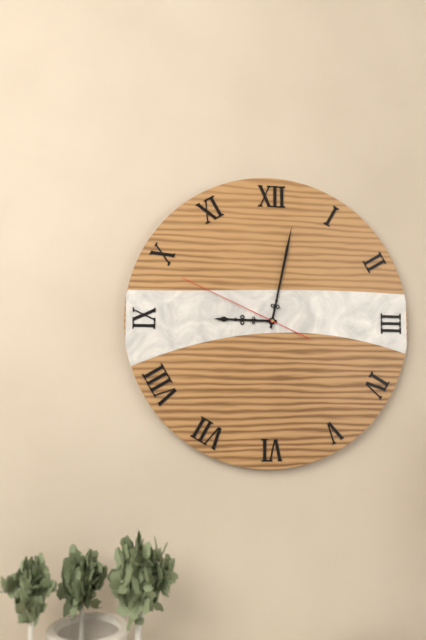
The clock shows 9.02.49
